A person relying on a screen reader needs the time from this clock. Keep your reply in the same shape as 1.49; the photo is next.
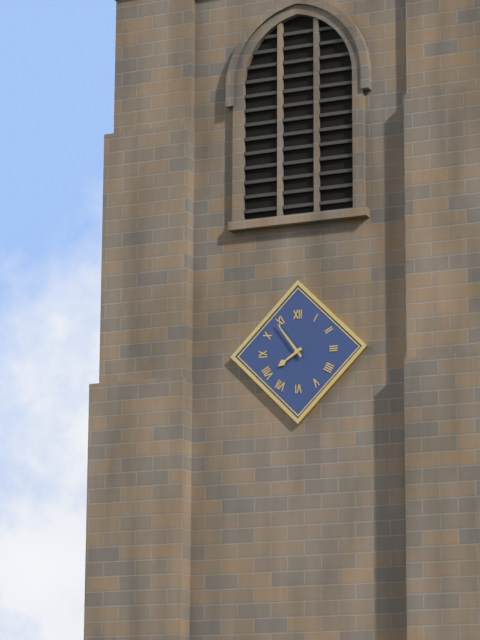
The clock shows 7.54
